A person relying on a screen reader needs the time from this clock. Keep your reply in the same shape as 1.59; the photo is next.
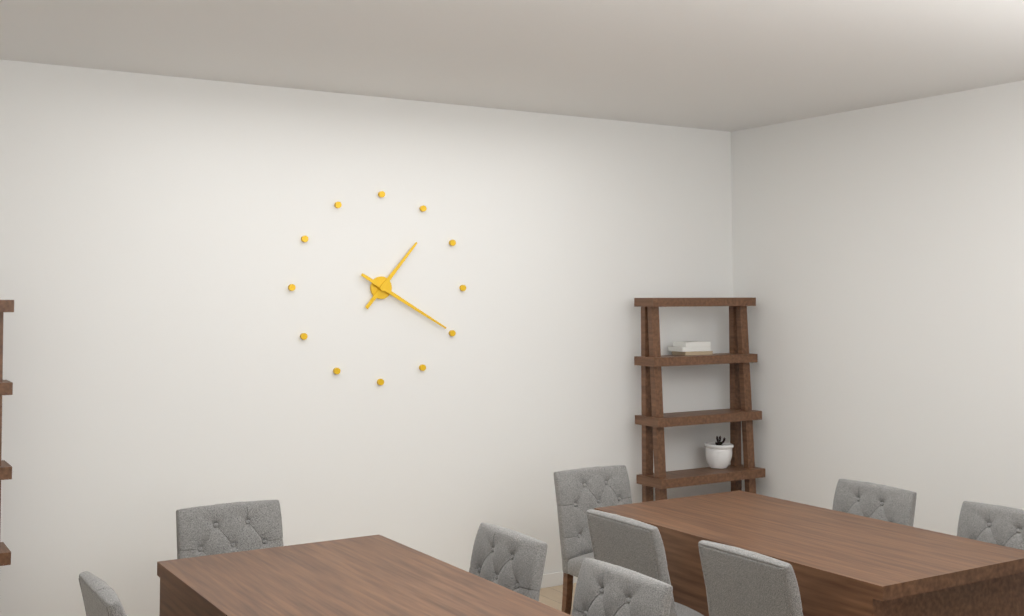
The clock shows 1.20
